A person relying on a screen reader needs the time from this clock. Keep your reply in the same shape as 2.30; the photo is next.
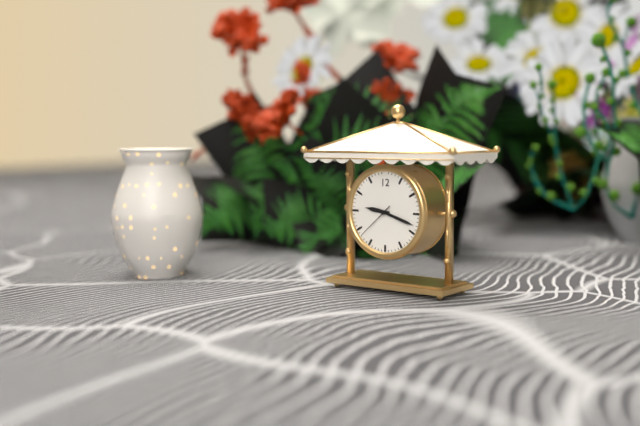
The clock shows 9.18
